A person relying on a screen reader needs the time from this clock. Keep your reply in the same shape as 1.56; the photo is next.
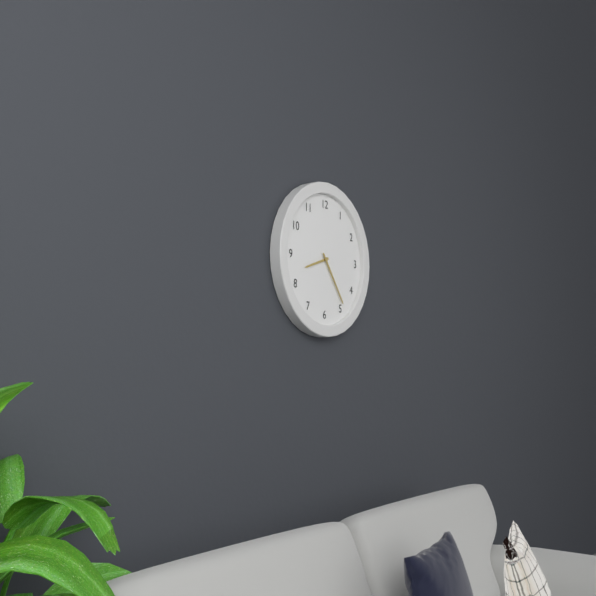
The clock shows 8.24
